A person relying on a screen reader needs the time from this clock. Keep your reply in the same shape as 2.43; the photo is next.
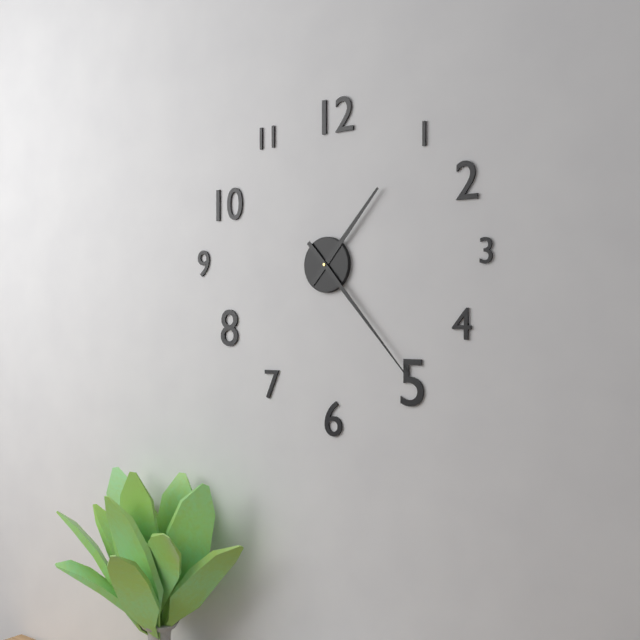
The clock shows 1.23
